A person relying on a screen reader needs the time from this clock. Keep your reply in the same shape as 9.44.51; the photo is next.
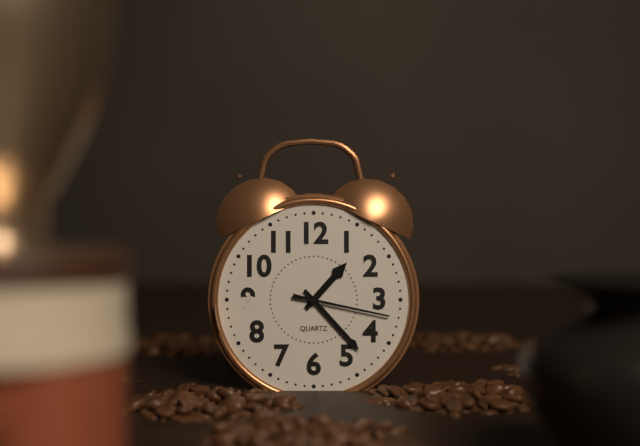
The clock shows 1.23.17
